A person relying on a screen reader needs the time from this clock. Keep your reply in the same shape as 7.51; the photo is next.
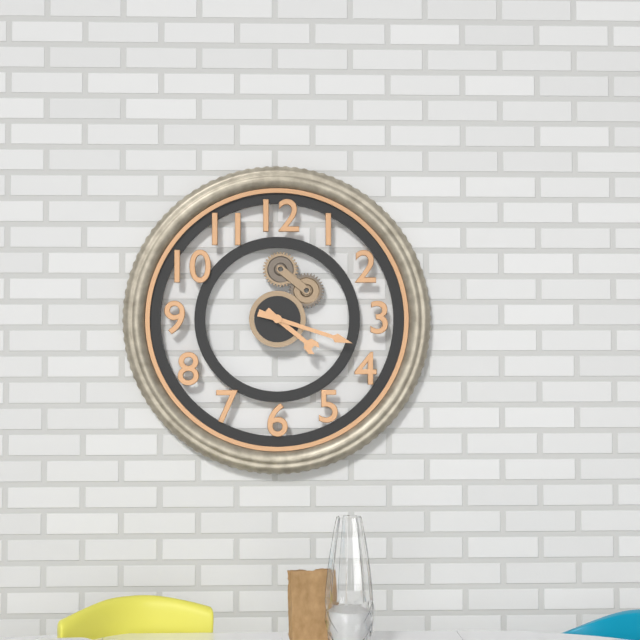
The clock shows 4.18
